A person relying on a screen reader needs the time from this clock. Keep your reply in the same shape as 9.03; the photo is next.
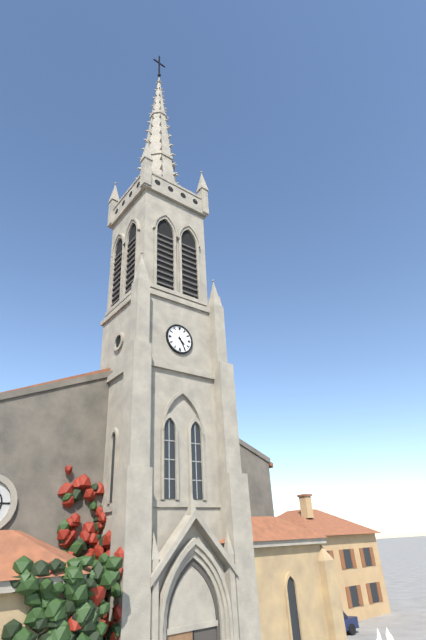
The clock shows 4.25
